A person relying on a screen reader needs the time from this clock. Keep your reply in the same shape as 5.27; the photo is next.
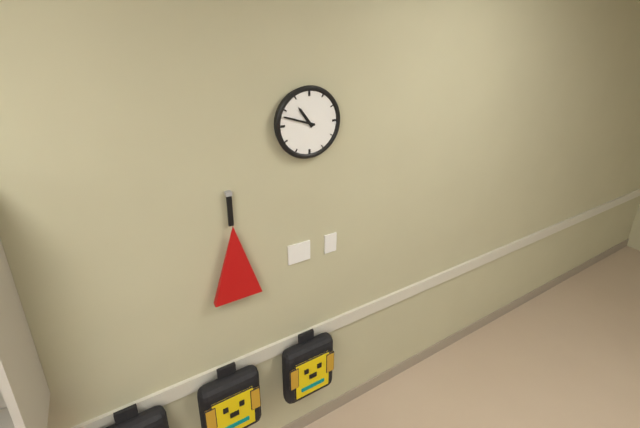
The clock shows 10.48
